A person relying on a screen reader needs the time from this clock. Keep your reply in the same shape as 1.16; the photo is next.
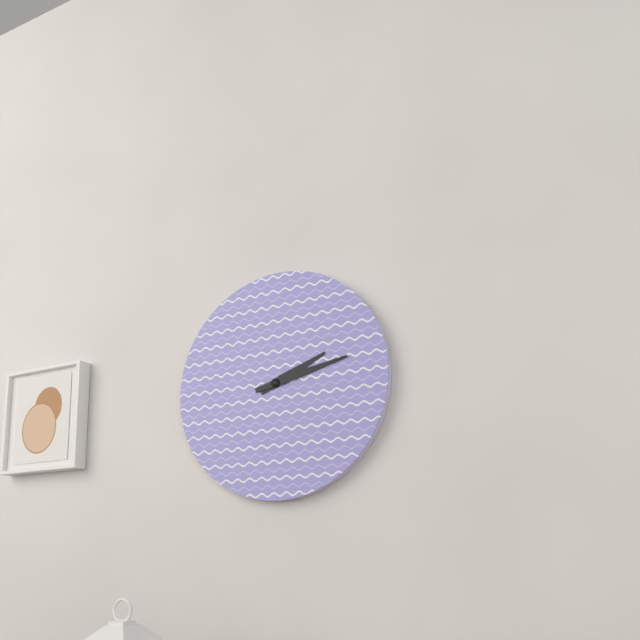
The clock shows 2.13
